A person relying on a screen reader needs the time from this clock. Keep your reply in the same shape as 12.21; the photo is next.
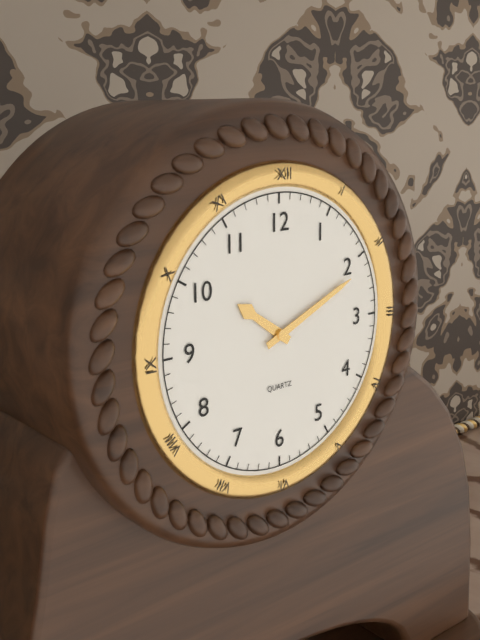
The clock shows 10.11
